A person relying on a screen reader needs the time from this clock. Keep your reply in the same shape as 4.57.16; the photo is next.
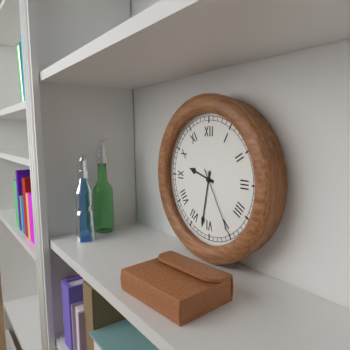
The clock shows 9.32.25
